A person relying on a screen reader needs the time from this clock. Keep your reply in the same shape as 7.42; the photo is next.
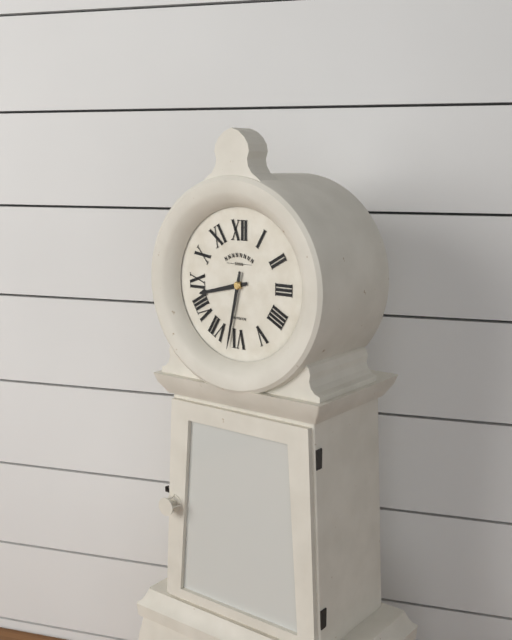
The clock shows 8.32
